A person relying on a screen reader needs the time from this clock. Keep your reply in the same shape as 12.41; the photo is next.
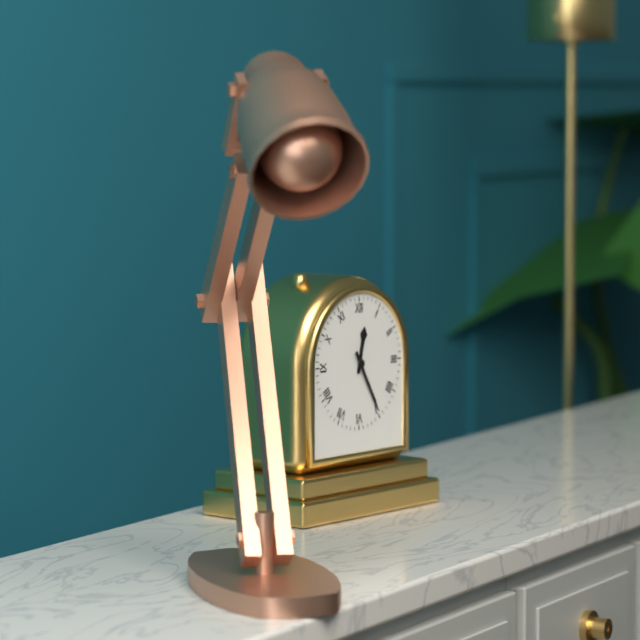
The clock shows 12.25
